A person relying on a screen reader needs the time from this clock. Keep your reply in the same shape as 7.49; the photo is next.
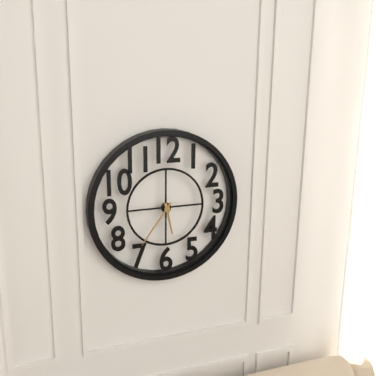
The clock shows 5.36
